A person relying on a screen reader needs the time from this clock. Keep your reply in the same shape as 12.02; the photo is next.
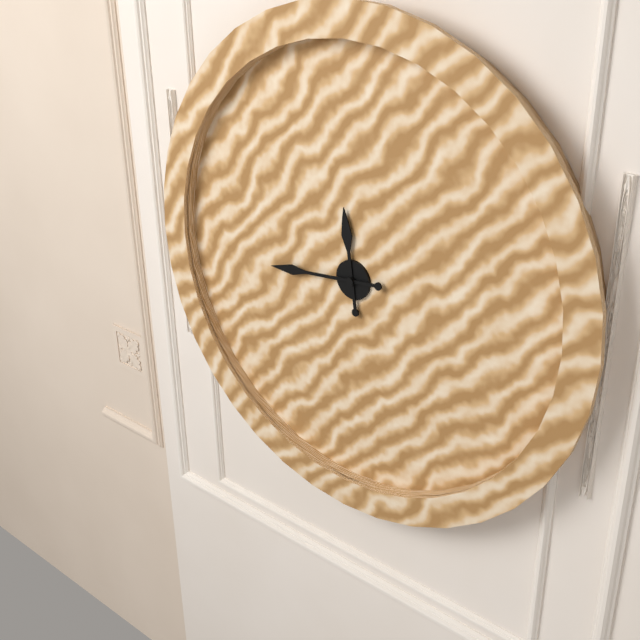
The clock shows 11.44
